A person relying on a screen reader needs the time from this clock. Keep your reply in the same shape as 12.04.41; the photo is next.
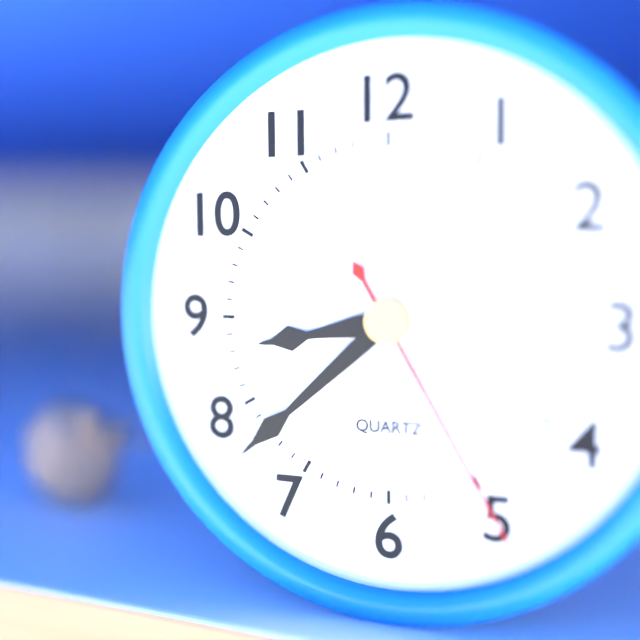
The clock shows 8.38.25
